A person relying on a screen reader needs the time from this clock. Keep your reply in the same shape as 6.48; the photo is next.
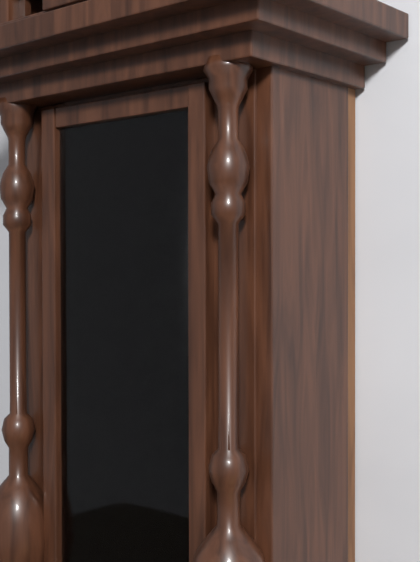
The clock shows 7.26
